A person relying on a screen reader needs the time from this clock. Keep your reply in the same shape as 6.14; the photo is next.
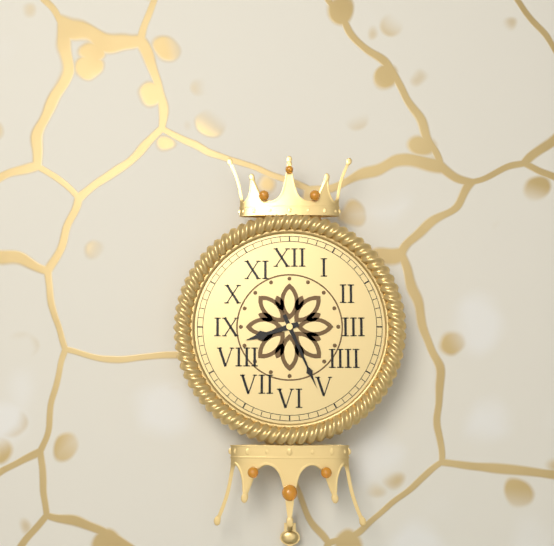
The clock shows 8.26
